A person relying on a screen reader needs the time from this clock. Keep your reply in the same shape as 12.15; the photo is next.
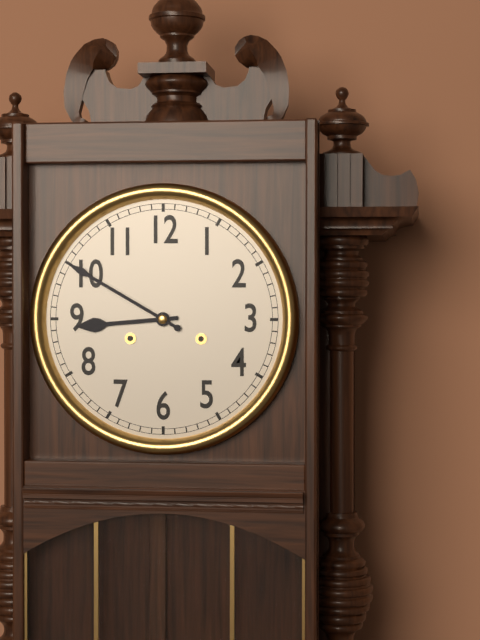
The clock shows 8.50
